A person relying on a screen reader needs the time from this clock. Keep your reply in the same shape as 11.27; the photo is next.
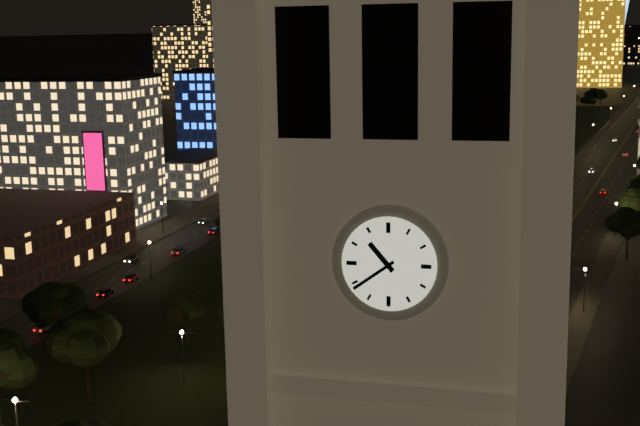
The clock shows 10.39
